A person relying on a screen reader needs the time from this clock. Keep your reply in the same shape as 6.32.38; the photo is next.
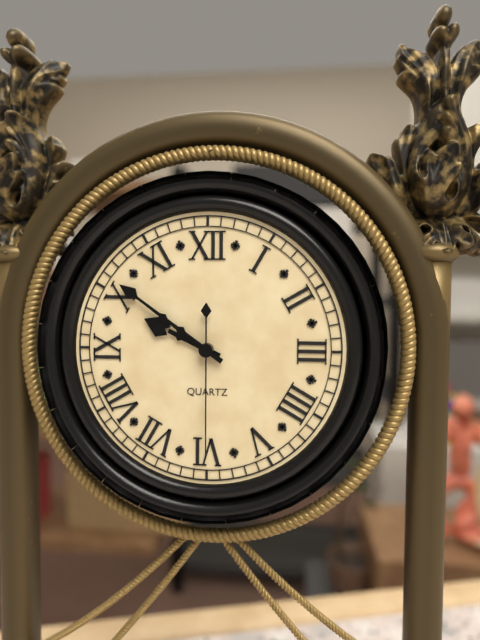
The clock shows 9.51.30
